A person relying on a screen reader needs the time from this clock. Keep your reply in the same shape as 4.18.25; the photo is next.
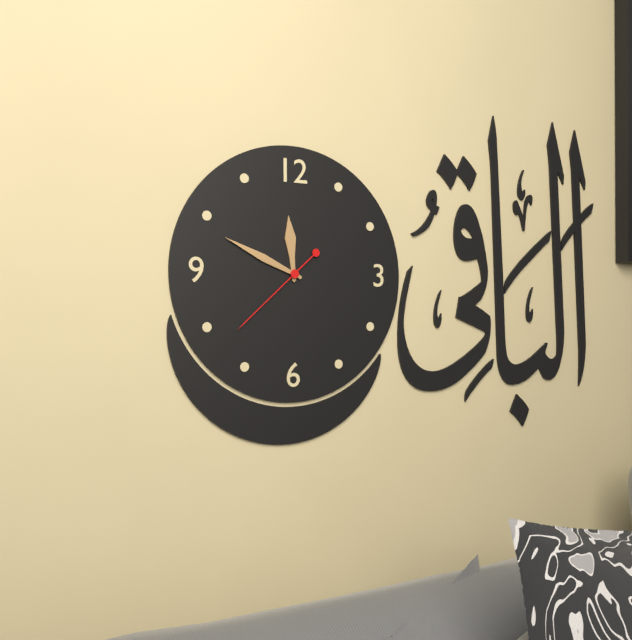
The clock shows 11.49.38
